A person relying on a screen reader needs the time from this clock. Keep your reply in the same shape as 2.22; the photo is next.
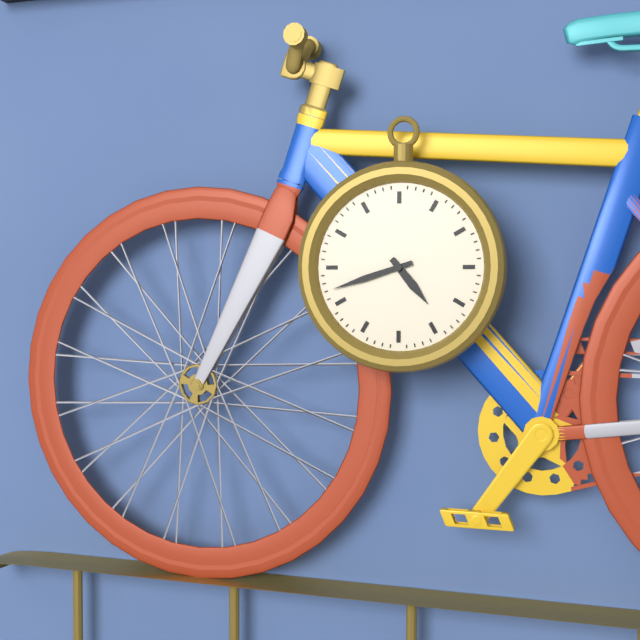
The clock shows 4.42
